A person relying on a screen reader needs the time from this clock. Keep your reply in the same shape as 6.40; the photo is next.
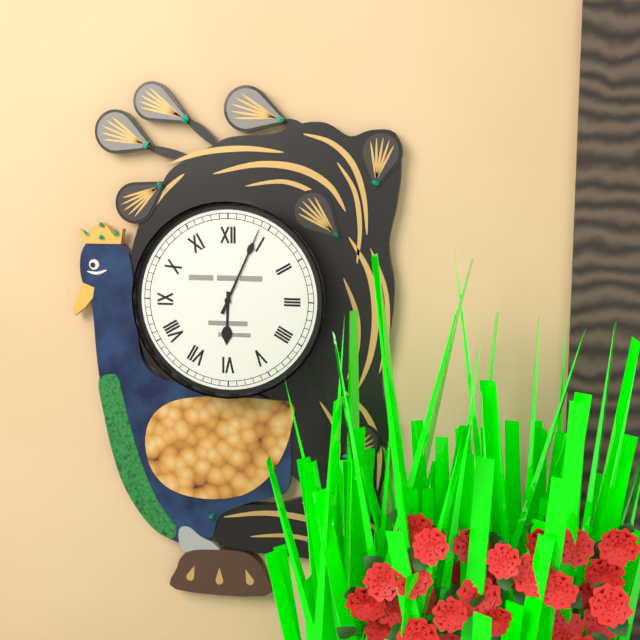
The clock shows 6.04
